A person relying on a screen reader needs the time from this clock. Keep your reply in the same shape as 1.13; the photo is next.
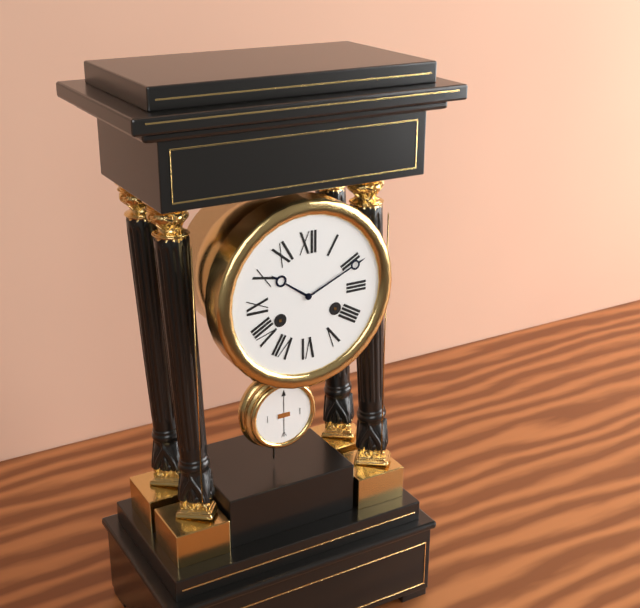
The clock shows 10.11
